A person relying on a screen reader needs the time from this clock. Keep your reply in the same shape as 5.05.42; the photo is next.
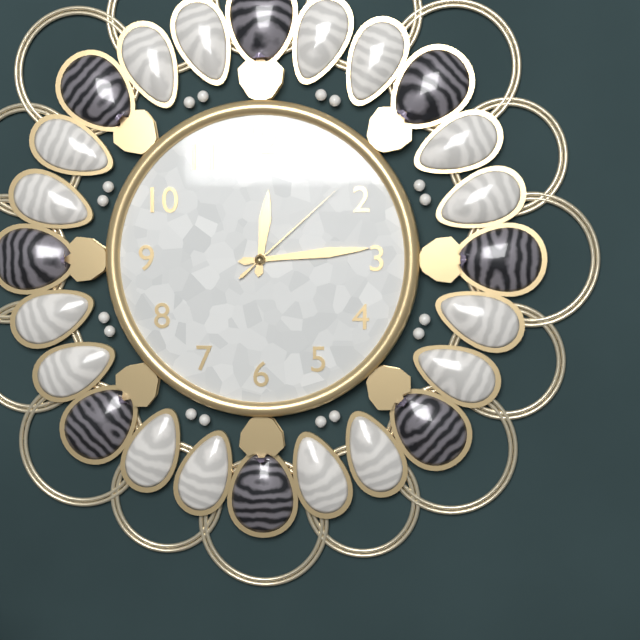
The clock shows 12.14.08
